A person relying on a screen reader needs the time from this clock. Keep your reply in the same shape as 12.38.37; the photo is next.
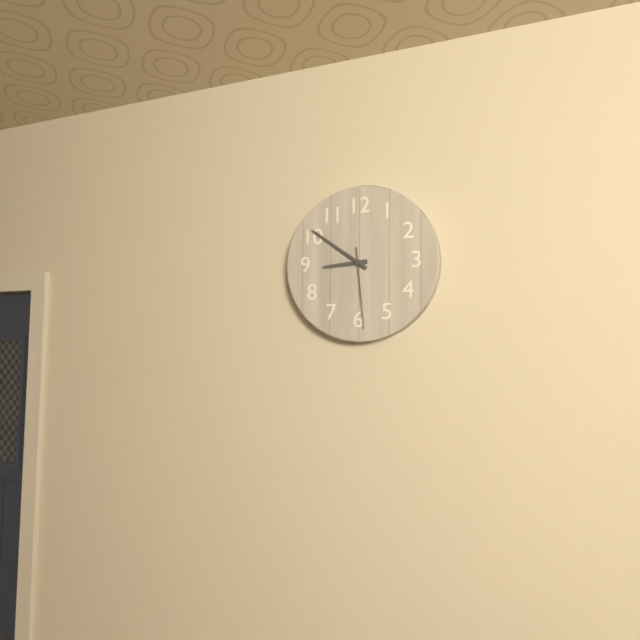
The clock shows 8.51.29
